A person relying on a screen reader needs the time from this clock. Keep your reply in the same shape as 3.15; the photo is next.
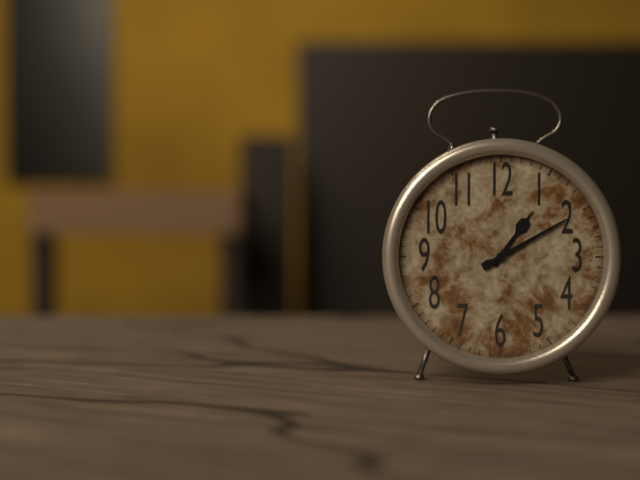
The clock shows 1.10
